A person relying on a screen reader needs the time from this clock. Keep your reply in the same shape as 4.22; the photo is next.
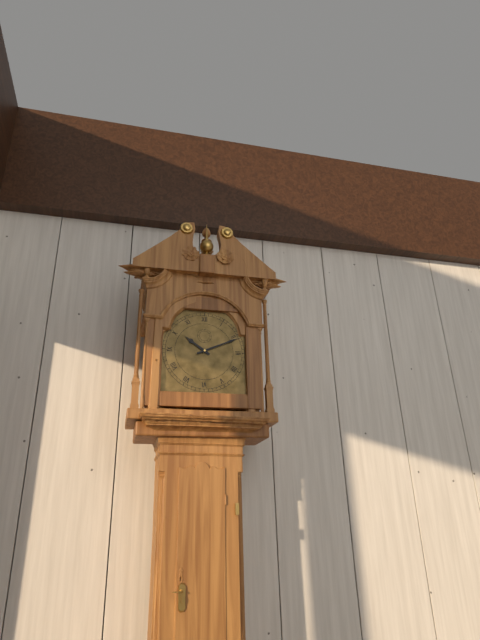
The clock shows 10.11
